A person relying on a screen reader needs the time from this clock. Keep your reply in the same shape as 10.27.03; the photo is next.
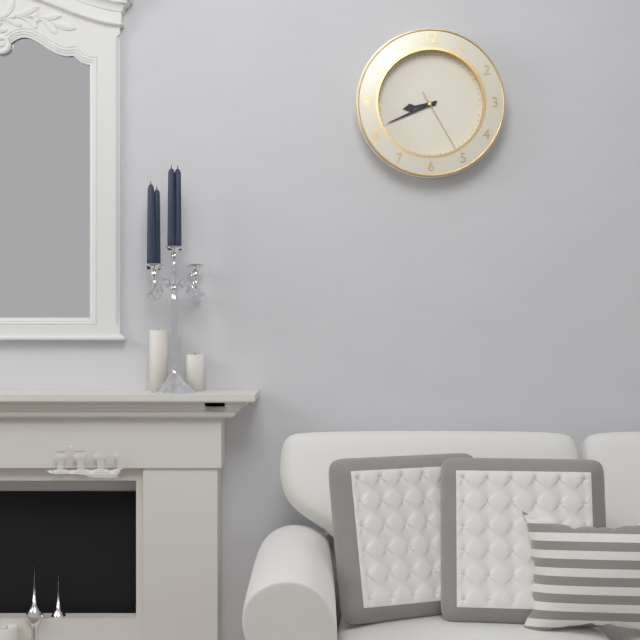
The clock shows 8.41.25
